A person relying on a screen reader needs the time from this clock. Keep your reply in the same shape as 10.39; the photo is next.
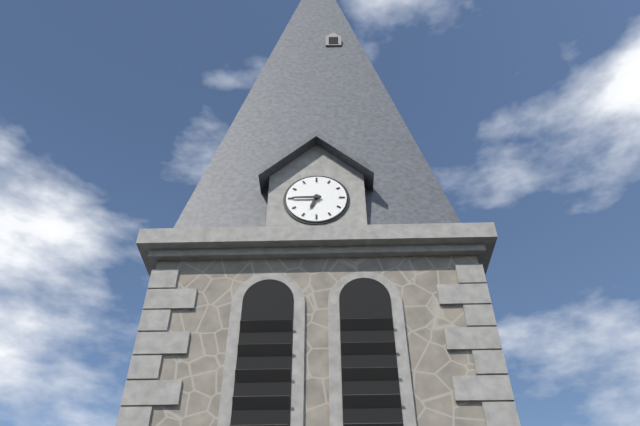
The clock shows 6.45
